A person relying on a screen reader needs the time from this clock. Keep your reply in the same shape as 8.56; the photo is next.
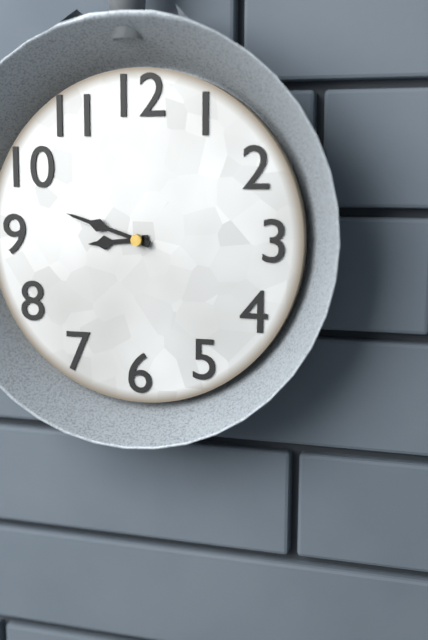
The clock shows 8.48
